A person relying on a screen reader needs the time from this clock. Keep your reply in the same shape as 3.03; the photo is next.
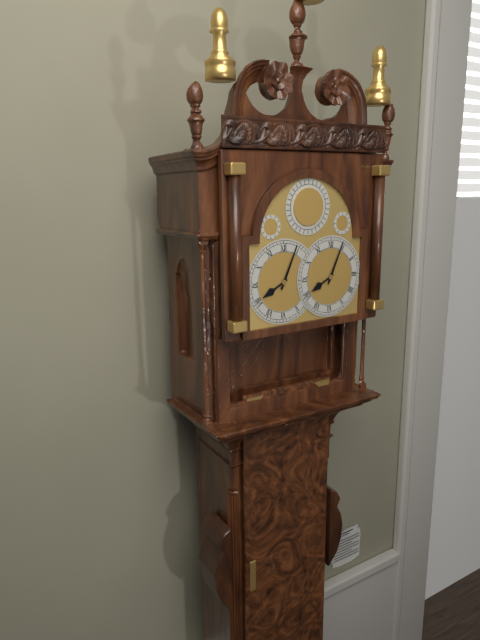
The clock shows 8.04
